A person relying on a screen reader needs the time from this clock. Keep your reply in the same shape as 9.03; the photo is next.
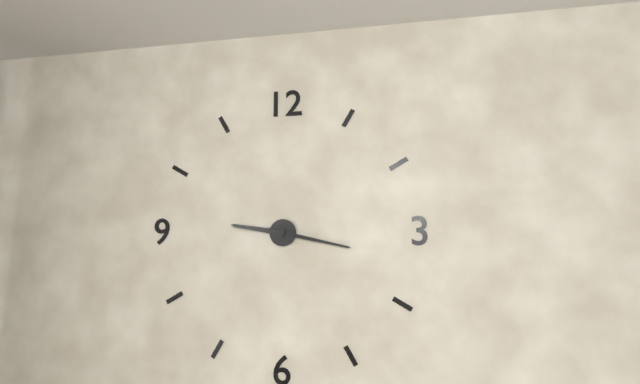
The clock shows 9.17
